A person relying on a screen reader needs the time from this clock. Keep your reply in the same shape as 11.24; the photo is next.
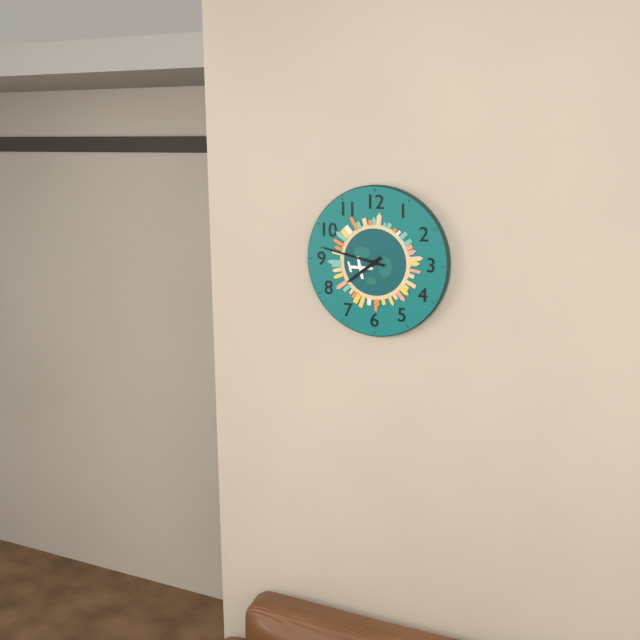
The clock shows 7.47
